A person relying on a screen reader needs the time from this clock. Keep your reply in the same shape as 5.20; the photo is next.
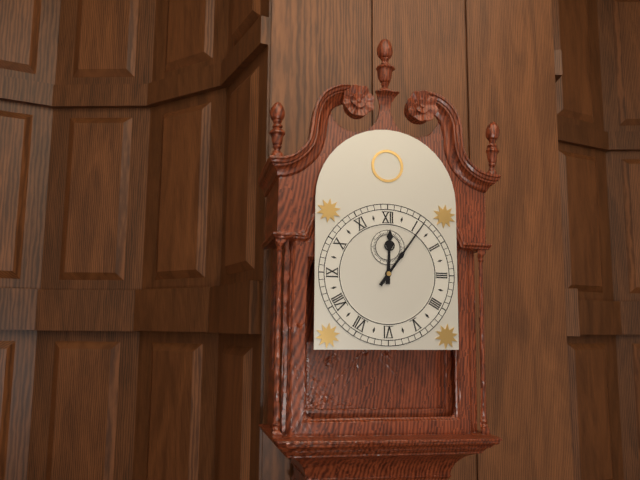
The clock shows 12.06
